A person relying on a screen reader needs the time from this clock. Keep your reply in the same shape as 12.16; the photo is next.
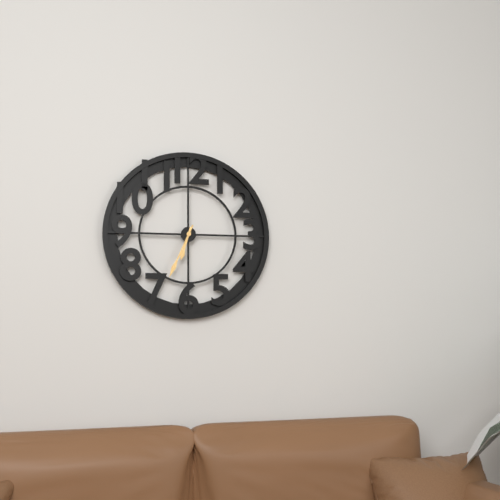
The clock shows 6.34
